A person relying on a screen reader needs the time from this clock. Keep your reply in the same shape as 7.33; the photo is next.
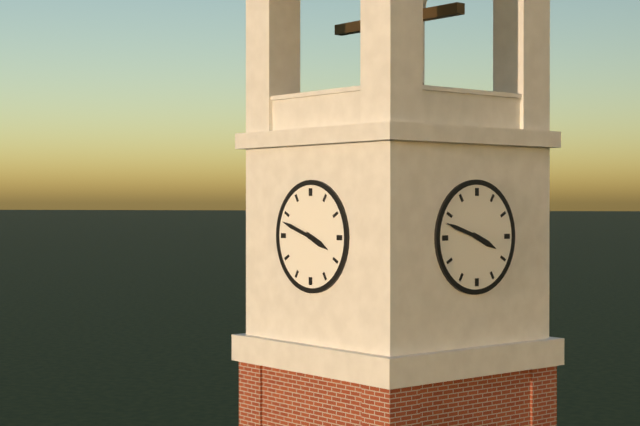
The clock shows 3.48
